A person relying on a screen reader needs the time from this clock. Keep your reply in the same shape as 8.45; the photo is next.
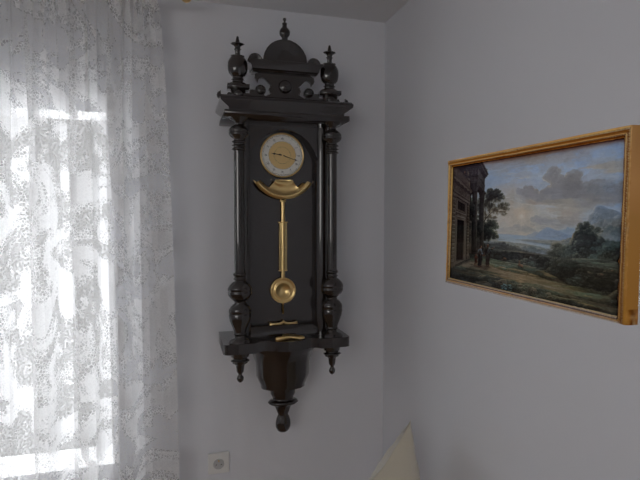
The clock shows 9.18
